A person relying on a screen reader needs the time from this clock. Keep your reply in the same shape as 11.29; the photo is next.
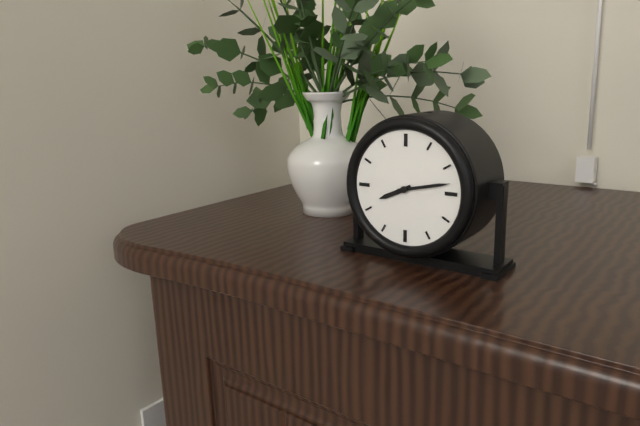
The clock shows 8.13
